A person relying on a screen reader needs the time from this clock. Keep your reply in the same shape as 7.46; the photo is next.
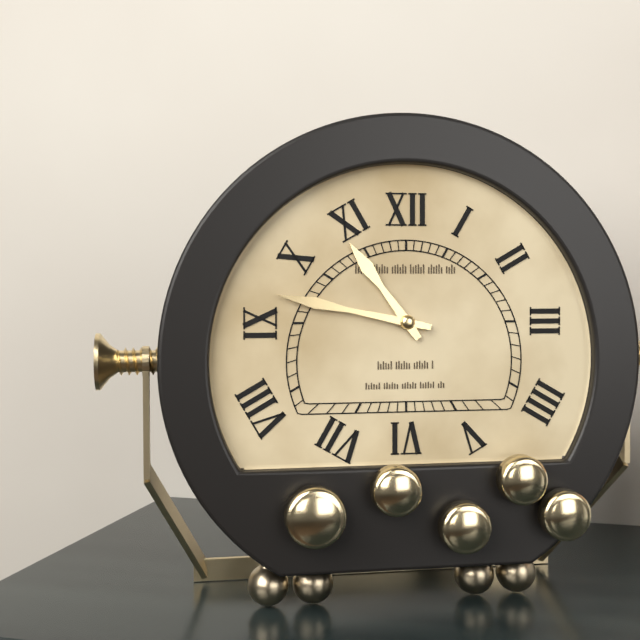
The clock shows 10.47
